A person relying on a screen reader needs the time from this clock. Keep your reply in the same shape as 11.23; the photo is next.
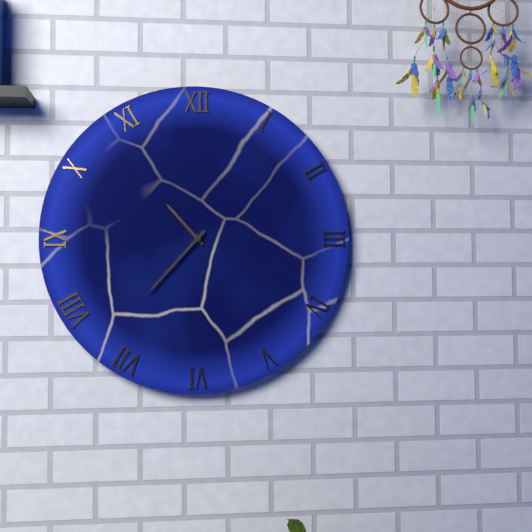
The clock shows 10.37
